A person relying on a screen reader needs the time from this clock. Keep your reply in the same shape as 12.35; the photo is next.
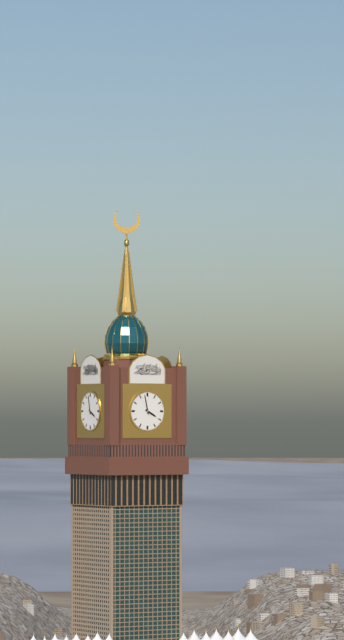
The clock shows 3.58
